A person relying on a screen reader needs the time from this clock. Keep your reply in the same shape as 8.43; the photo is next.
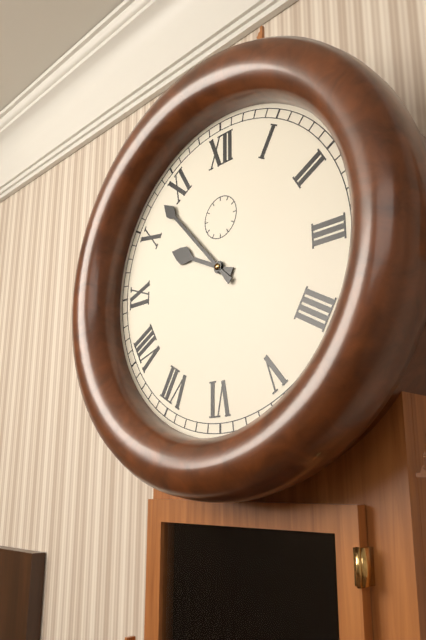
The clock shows 9.53
